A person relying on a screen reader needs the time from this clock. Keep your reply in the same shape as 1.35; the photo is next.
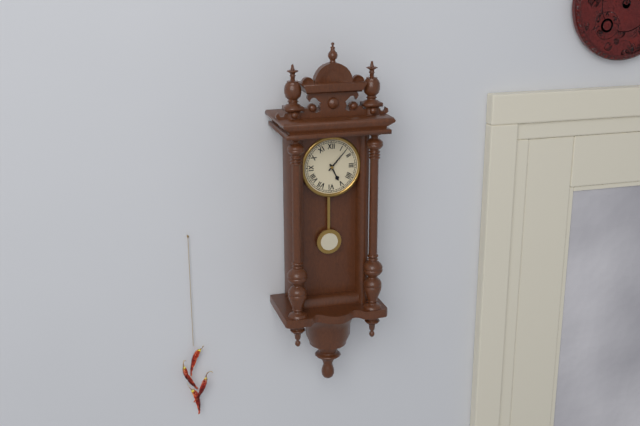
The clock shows 5.07
